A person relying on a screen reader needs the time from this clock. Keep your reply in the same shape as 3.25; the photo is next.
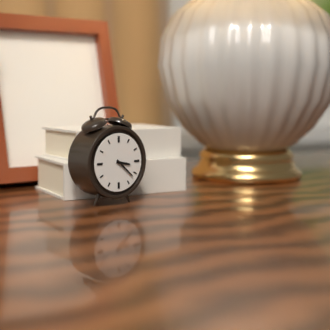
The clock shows 3.22
